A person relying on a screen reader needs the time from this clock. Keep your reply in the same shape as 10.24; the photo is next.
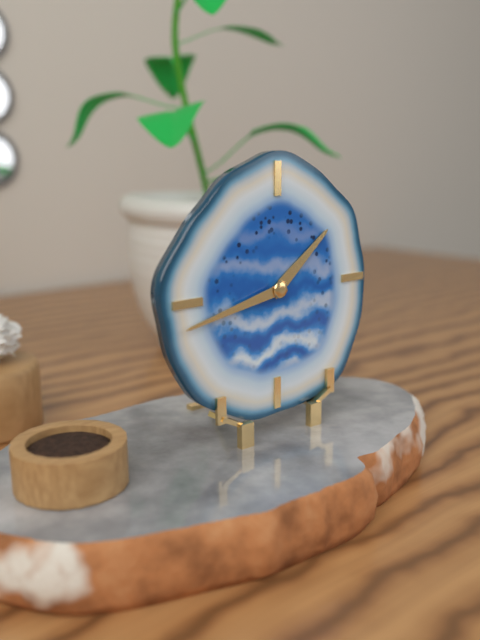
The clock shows 1.43
